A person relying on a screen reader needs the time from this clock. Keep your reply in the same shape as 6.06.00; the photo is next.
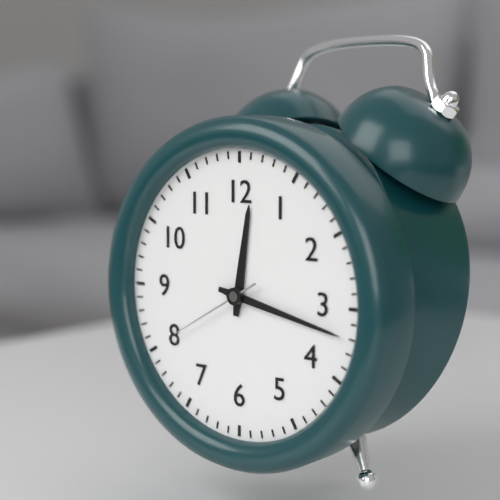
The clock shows 12.17.40
